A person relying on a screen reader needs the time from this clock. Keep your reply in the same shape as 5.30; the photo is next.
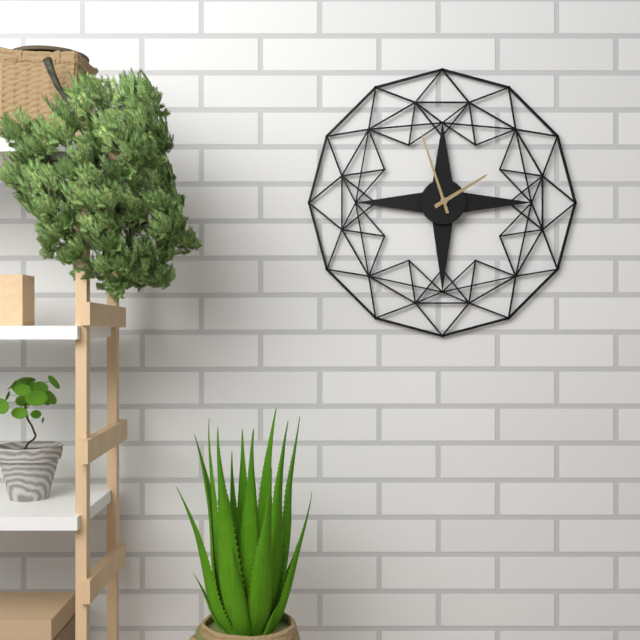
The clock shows 1.57
